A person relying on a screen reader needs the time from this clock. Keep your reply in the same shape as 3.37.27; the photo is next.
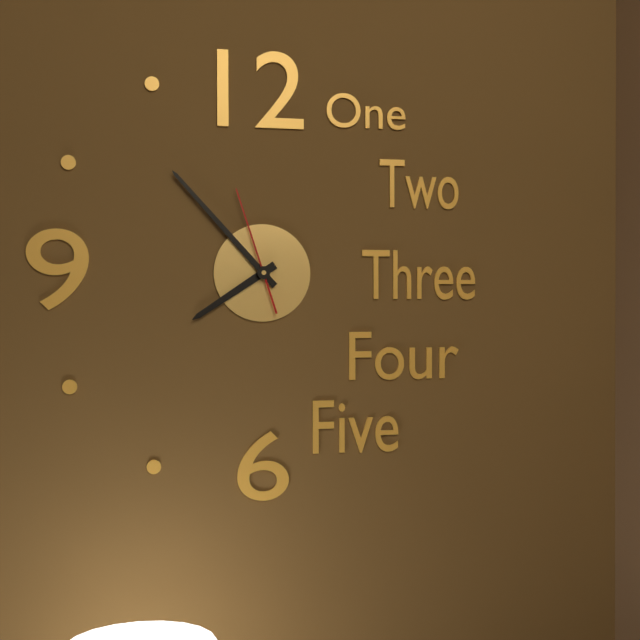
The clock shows 7.53.57
